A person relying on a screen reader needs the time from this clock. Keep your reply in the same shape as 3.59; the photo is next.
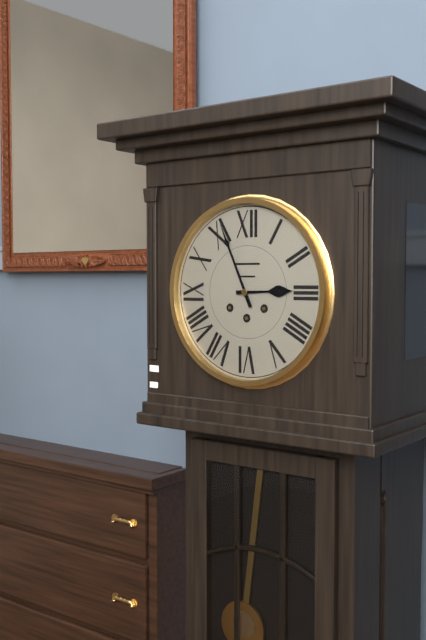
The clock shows 2.56
